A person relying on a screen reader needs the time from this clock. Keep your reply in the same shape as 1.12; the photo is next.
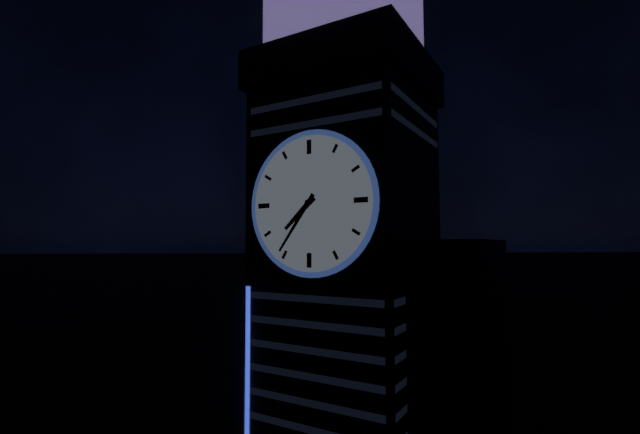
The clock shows 7.36
